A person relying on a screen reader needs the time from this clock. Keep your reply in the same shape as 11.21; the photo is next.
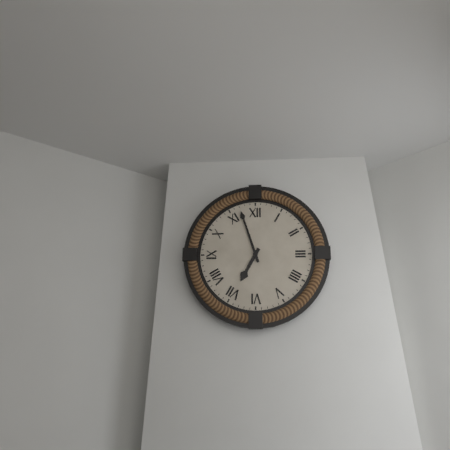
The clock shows 6.57
